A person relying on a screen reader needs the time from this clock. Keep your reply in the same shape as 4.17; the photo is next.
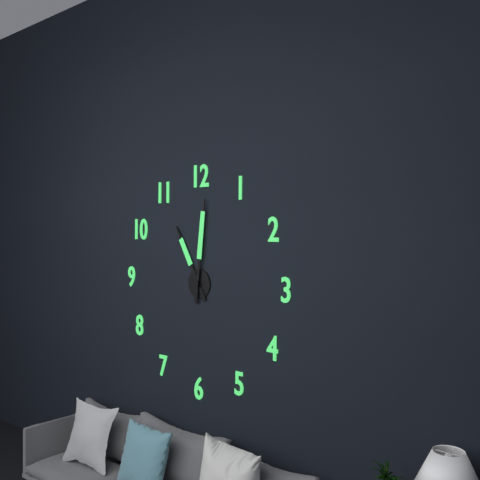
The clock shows 11.01
